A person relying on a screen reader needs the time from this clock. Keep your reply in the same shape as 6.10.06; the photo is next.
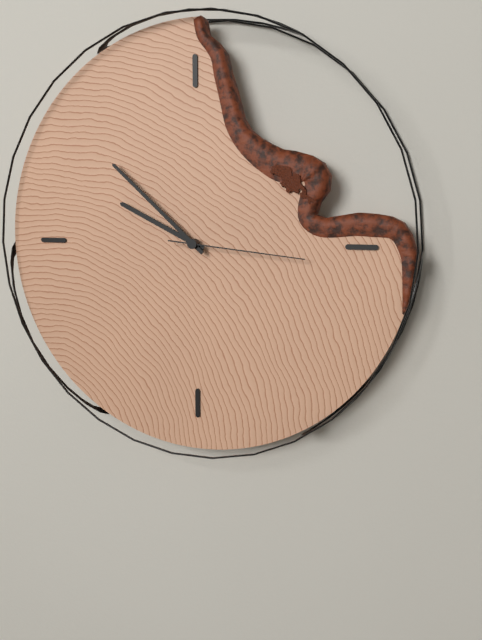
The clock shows 9.52.16
